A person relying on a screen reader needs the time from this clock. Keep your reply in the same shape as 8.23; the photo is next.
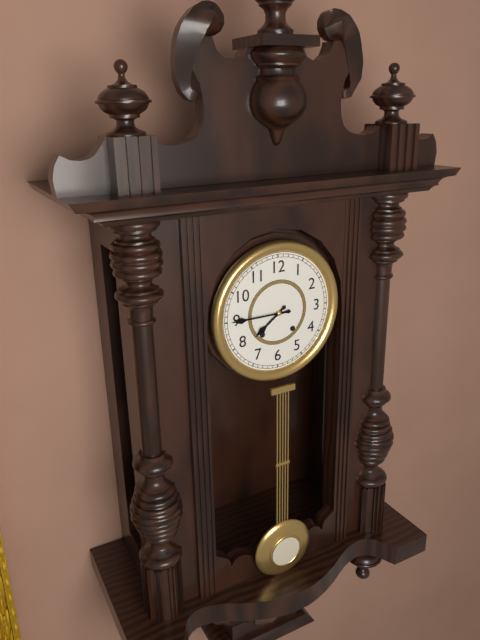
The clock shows 7.45
